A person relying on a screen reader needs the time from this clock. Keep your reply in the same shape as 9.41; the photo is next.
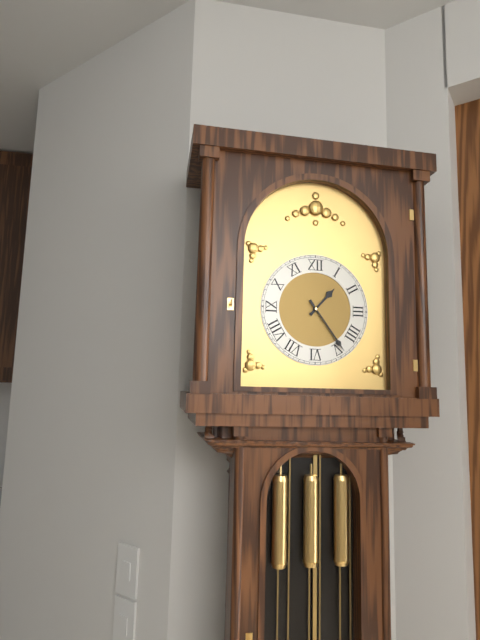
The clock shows 1.24
